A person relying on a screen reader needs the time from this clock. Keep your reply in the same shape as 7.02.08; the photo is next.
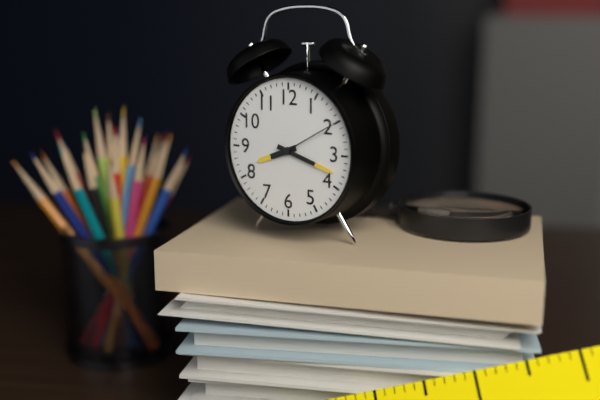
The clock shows 8.18.10
